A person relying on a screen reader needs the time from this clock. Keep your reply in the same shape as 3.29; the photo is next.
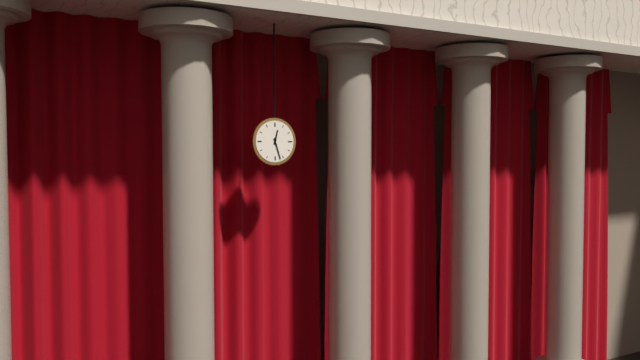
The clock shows 12.27
